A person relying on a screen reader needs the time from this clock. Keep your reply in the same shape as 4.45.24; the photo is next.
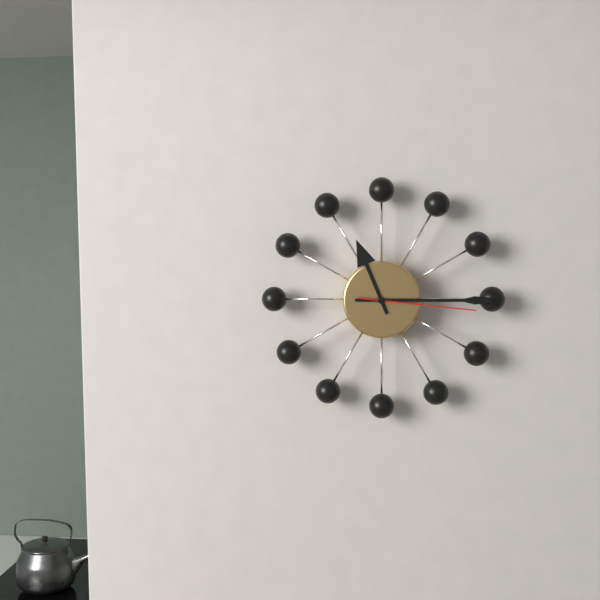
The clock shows 11.15.16
